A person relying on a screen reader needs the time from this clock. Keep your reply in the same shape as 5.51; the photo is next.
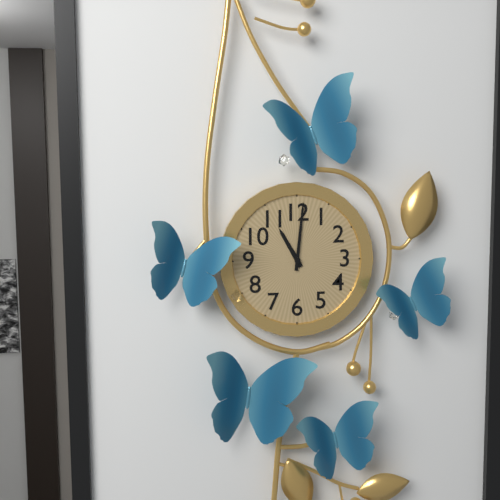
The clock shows 11.01
